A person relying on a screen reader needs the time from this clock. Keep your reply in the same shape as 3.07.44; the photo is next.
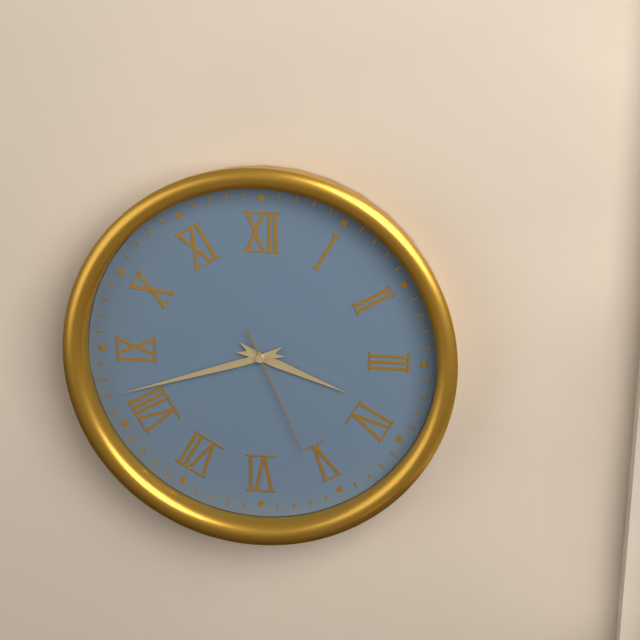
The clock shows 3.42.26
